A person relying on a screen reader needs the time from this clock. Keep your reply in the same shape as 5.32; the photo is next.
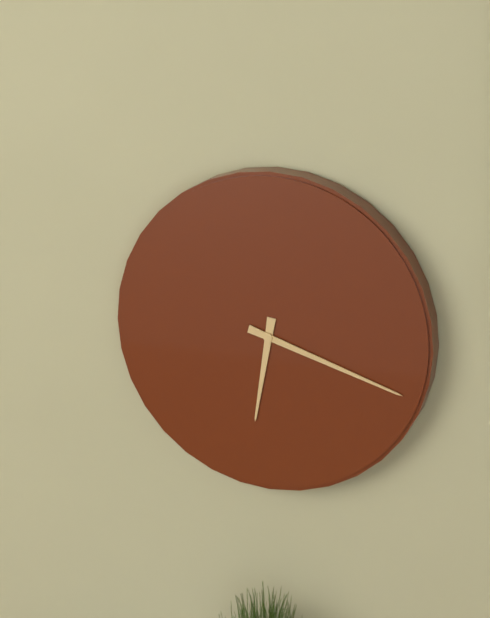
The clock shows 6.18
